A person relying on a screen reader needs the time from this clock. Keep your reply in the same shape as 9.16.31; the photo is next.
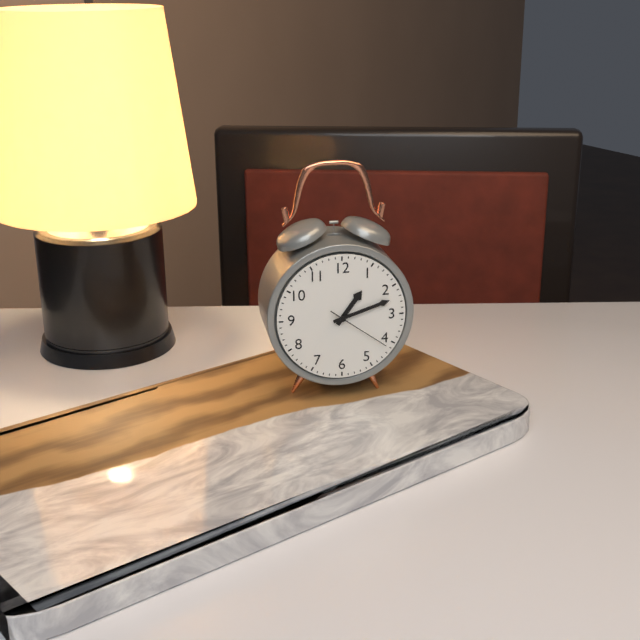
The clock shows 1.12.21
